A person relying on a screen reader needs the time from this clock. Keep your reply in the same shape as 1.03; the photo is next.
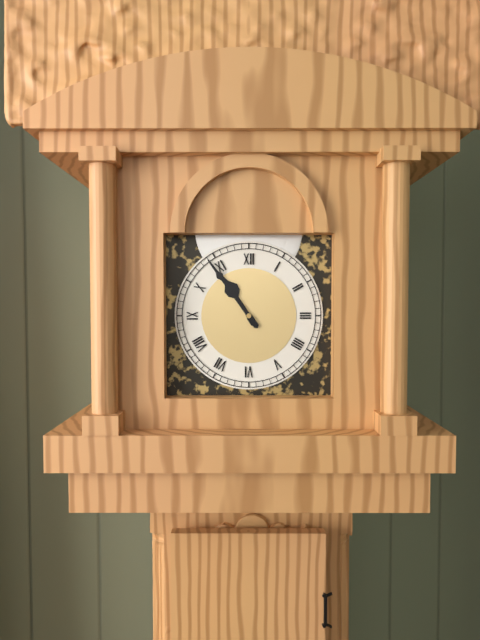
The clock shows 10.54
